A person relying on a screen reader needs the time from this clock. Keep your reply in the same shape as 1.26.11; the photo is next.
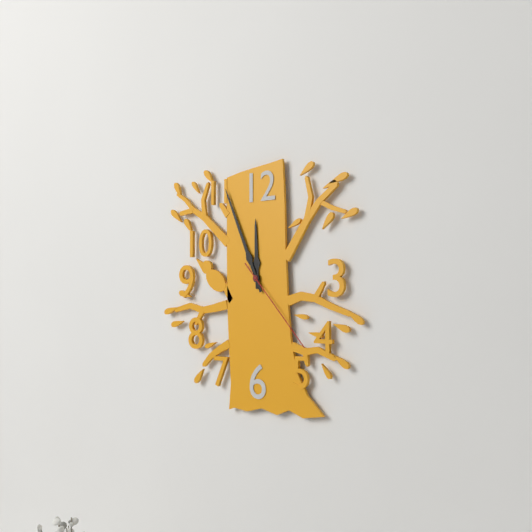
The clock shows 11.56.23
